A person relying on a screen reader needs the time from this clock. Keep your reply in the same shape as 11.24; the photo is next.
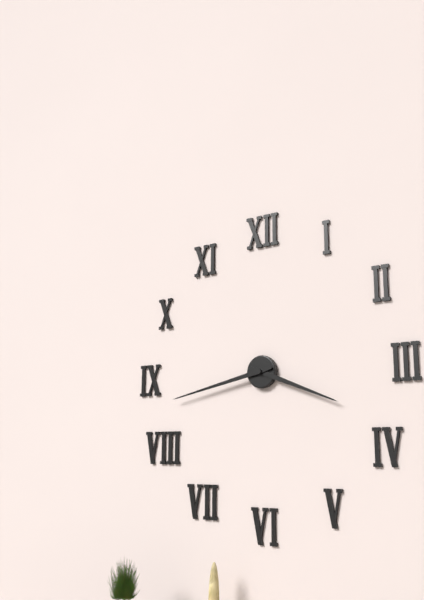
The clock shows 3.43
